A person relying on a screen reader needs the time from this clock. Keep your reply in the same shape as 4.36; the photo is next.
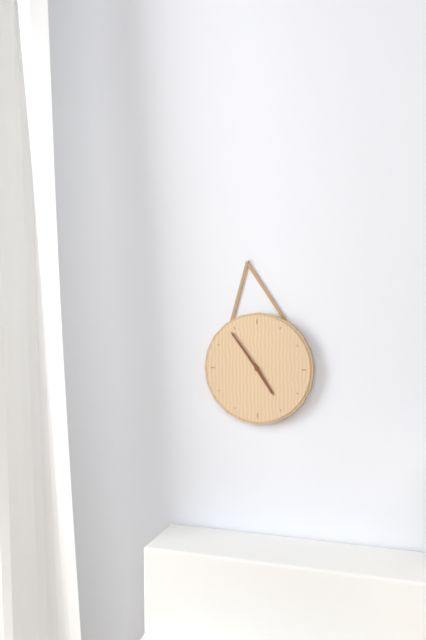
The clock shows 4.54
